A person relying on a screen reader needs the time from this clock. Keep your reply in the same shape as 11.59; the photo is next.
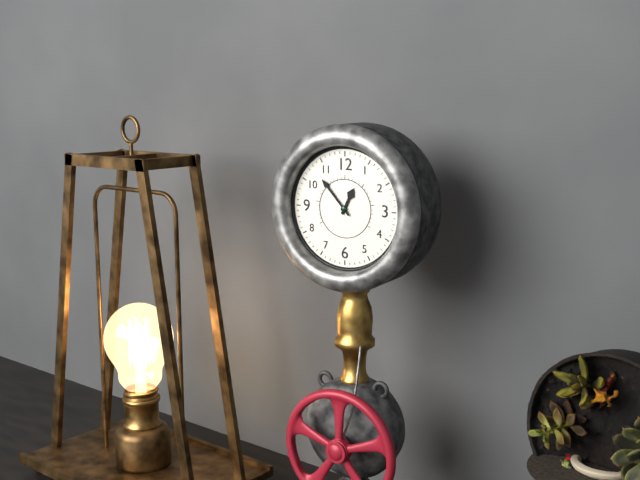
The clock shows 12.53
